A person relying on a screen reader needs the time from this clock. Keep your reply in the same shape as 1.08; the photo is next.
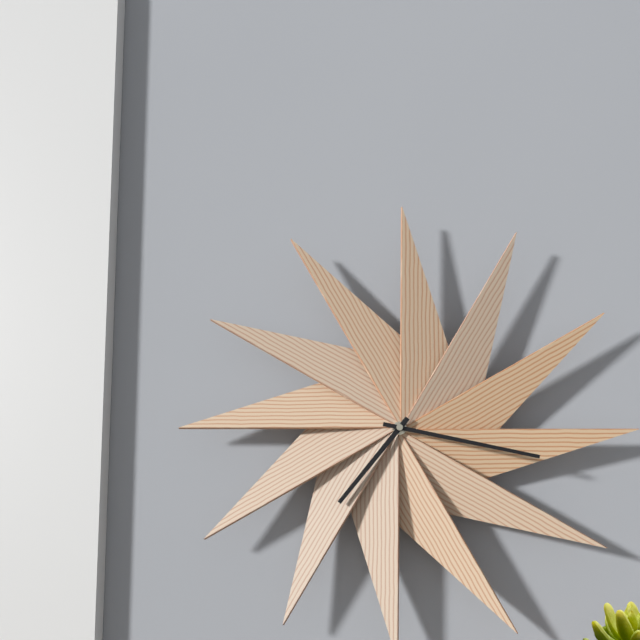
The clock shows 7.17
